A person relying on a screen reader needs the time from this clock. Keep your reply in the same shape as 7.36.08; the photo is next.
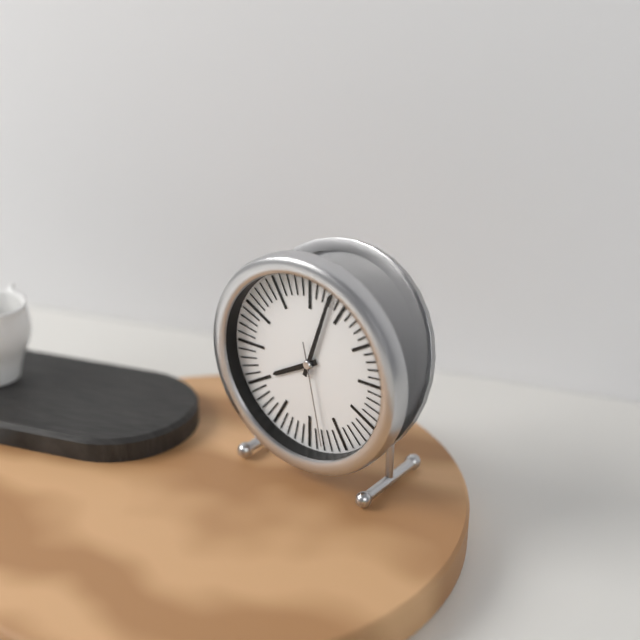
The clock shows 8.03.28
